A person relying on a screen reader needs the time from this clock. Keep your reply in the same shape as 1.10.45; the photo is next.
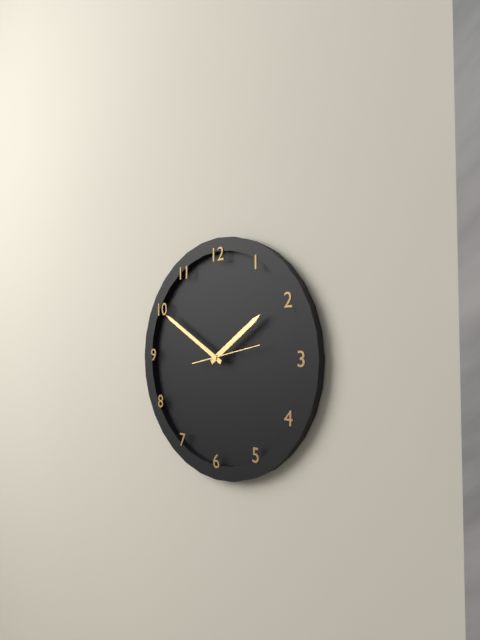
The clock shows 1.50.13
